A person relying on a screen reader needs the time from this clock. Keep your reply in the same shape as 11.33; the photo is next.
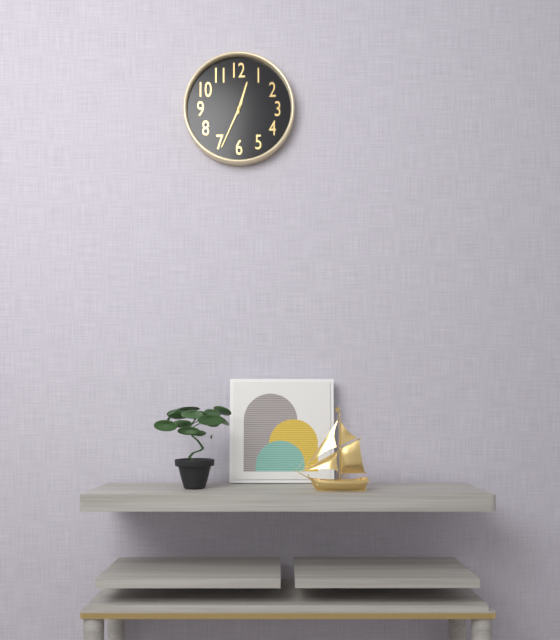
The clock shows 12.34
